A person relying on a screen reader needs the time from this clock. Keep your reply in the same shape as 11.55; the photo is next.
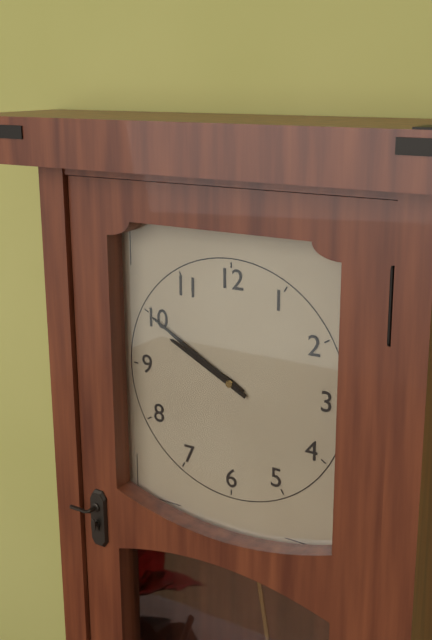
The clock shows 9.50
